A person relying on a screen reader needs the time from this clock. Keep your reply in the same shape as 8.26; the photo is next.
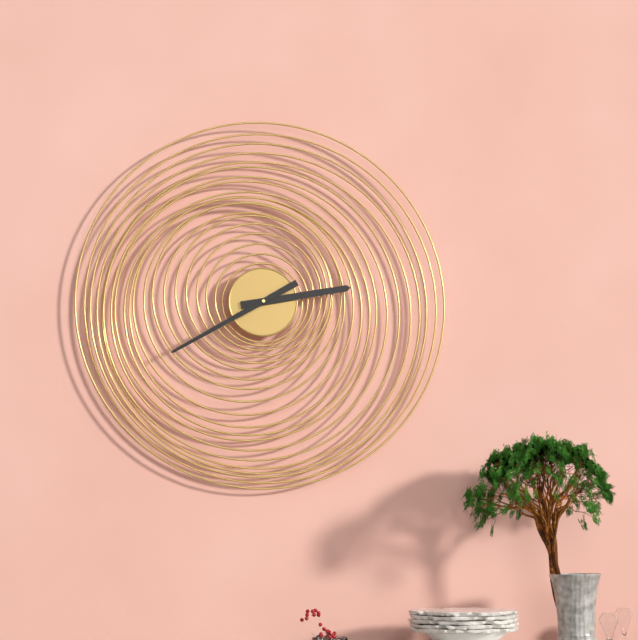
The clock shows 2.40
